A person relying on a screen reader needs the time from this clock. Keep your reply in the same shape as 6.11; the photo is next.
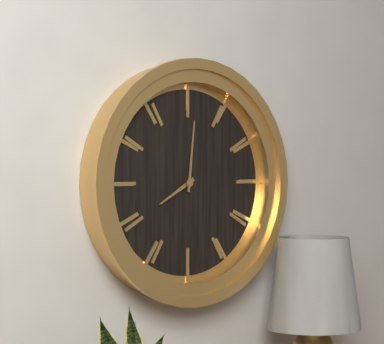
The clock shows 8.01
